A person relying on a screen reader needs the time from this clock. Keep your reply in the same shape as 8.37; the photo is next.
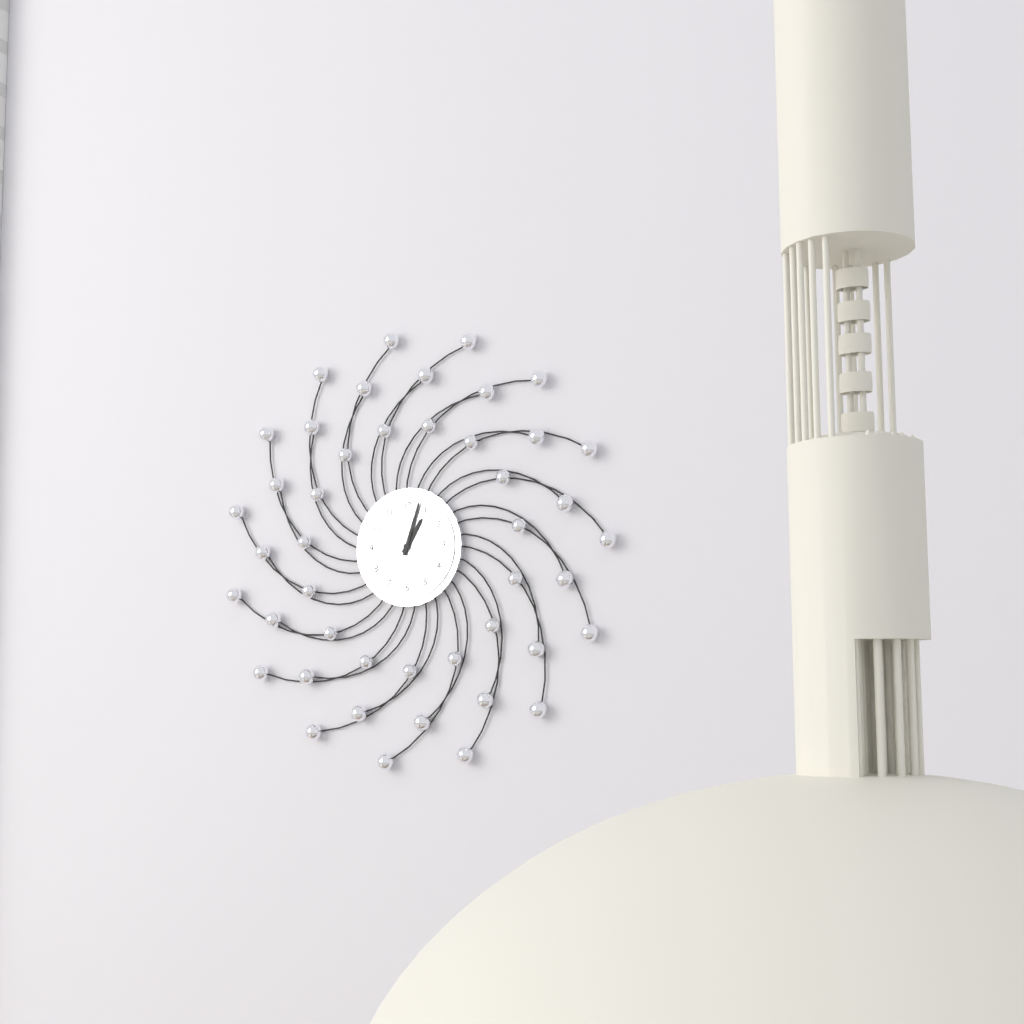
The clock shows 1.03
